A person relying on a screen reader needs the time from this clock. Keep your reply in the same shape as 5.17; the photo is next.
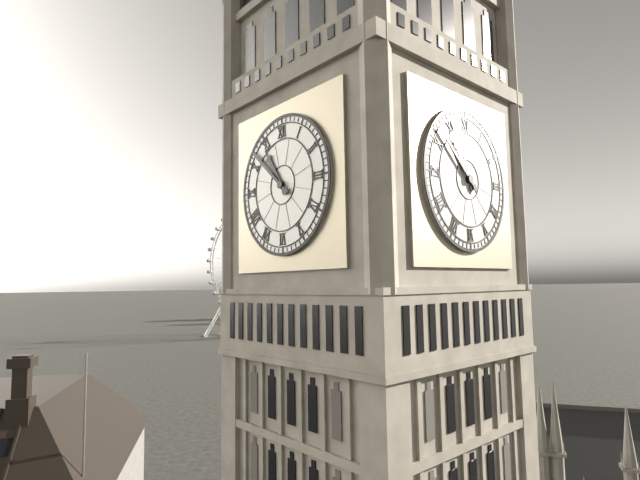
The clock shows 10.52
